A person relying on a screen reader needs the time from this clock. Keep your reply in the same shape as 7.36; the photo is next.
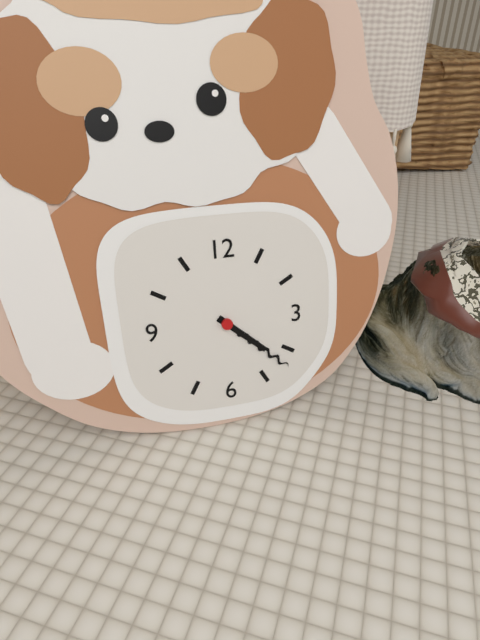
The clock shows 4.22
